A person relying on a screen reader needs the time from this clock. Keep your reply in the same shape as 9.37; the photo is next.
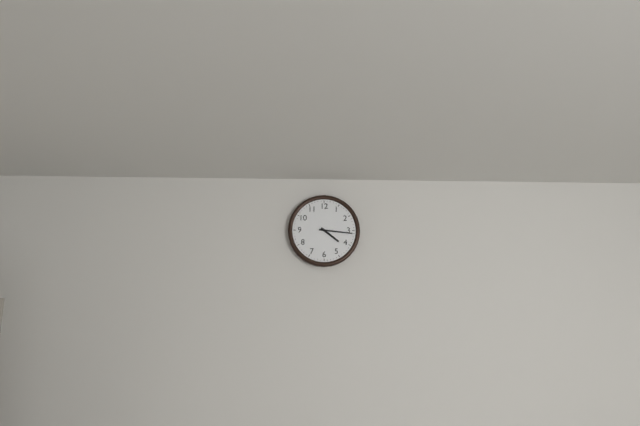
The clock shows 4.16
